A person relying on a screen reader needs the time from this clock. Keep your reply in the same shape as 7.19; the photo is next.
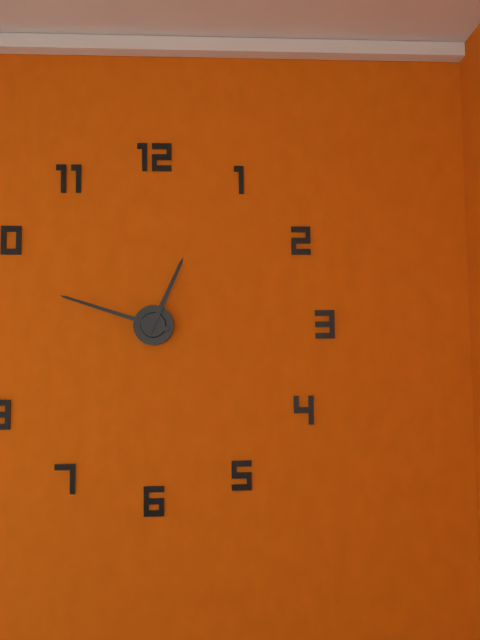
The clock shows 12.48
